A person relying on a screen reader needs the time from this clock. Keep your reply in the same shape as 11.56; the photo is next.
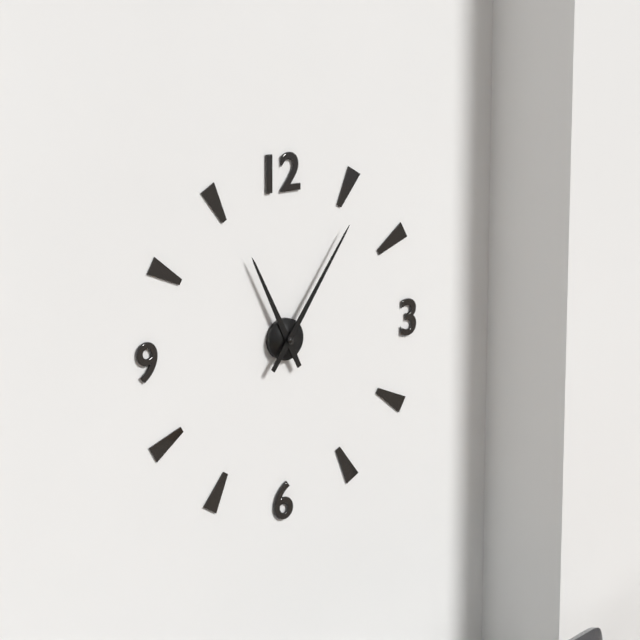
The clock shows 11.06
